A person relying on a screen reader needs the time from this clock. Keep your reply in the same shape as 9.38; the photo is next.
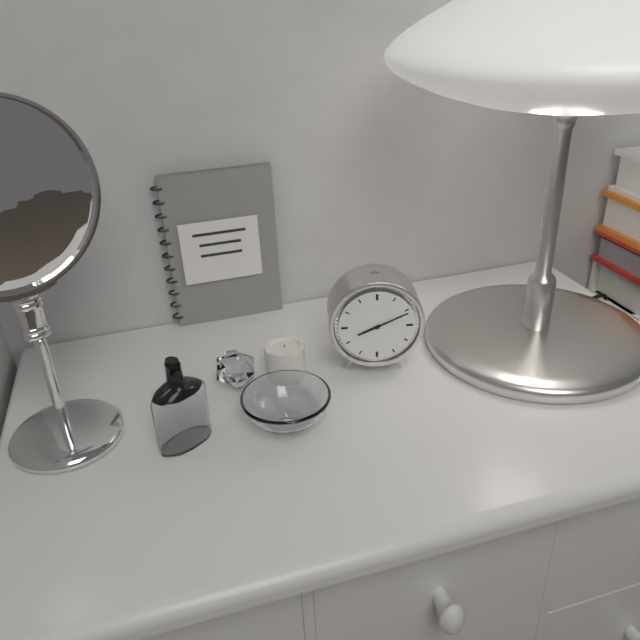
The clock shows 8.11
